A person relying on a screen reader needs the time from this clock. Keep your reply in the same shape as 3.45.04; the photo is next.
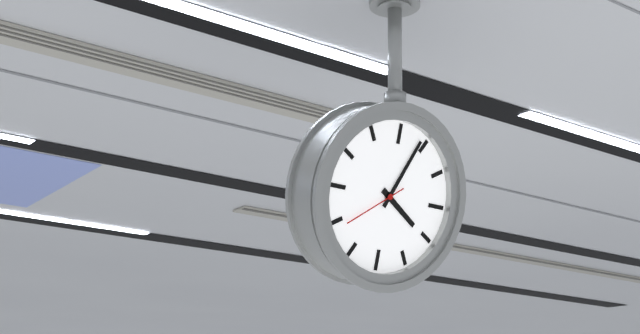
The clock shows 4.04.39
